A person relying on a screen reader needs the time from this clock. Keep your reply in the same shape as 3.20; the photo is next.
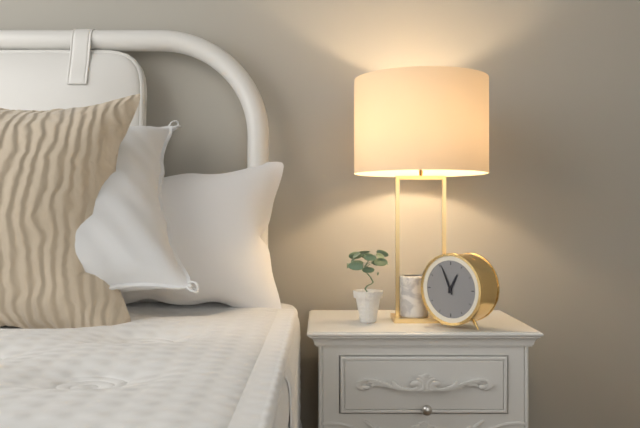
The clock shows 12.56
